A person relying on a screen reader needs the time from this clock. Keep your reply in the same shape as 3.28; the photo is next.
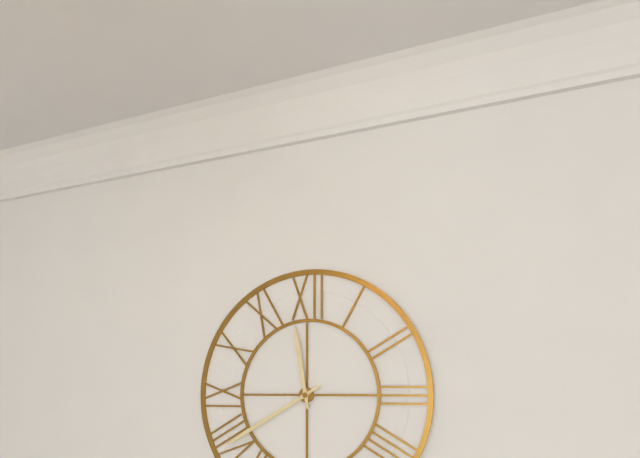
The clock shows 11.40
